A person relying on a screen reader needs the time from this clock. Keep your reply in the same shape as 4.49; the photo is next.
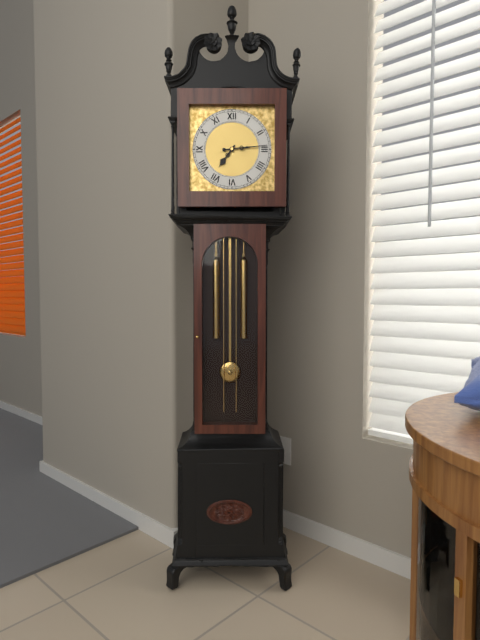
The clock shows 7.14
